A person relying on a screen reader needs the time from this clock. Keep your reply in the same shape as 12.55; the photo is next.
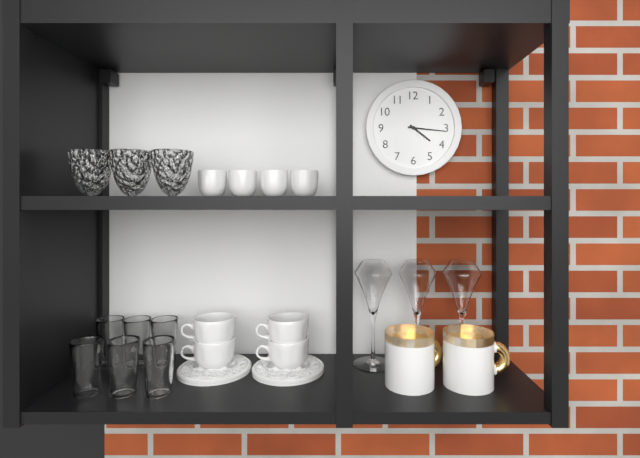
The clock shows 4.16
